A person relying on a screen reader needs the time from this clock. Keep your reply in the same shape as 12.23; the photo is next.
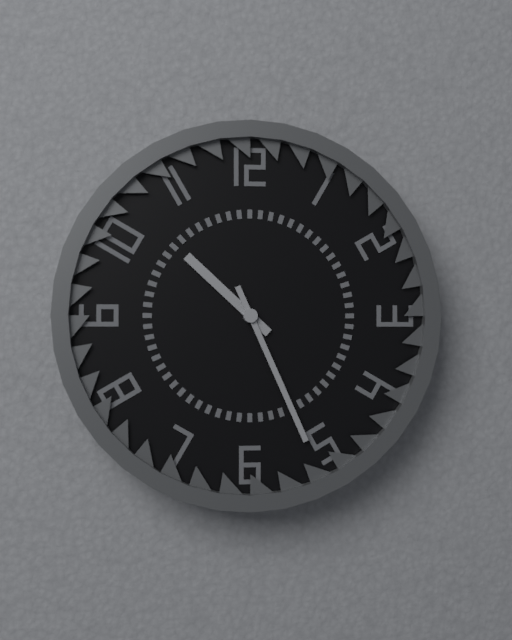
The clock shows 10.26
